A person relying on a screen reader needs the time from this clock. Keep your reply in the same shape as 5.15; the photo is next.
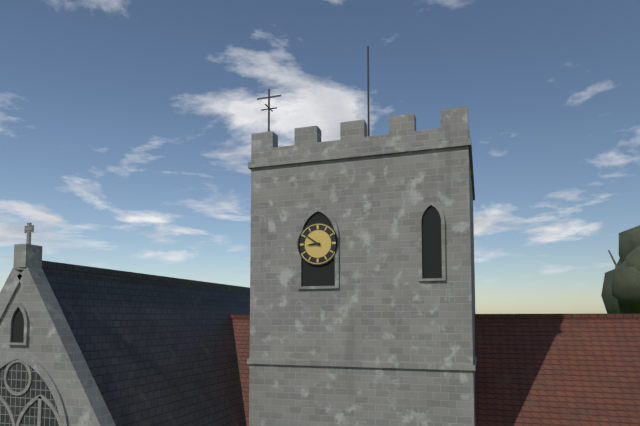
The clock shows 8.51
